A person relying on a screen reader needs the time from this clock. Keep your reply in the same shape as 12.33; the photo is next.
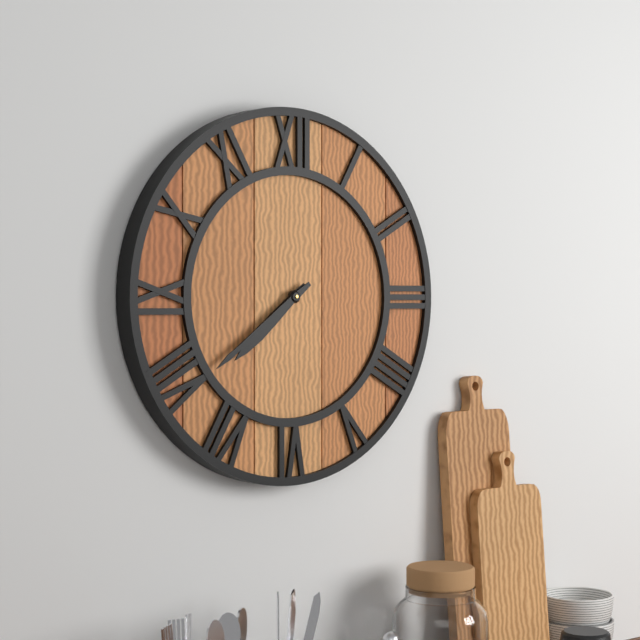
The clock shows 7.39
